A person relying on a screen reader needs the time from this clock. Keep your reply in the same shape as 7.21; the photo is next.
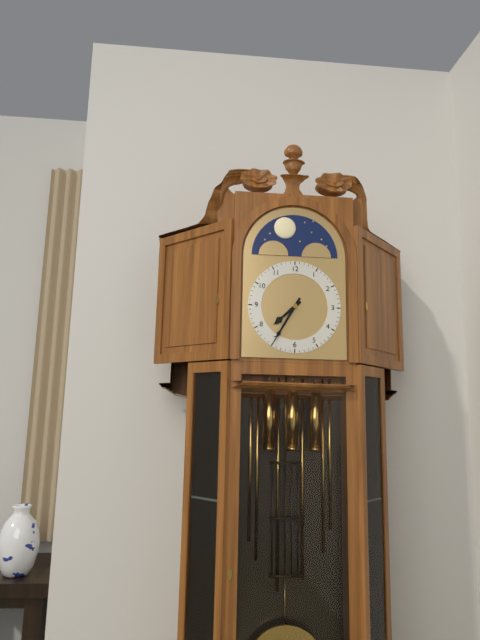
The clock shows 7.35
